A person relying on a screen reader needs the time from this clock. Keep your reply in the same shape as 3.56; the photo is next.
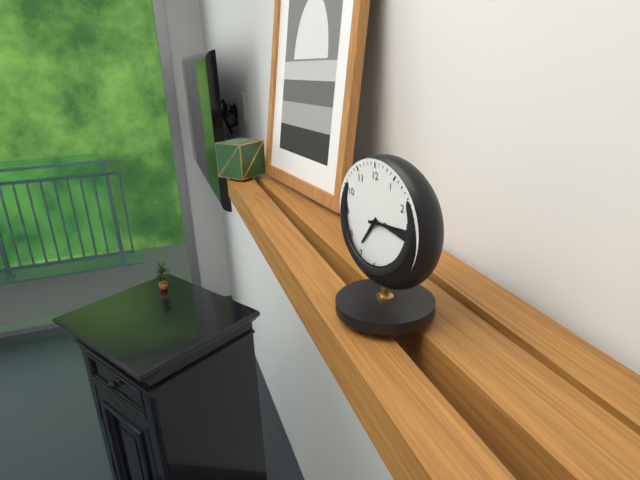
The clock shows 7.14
